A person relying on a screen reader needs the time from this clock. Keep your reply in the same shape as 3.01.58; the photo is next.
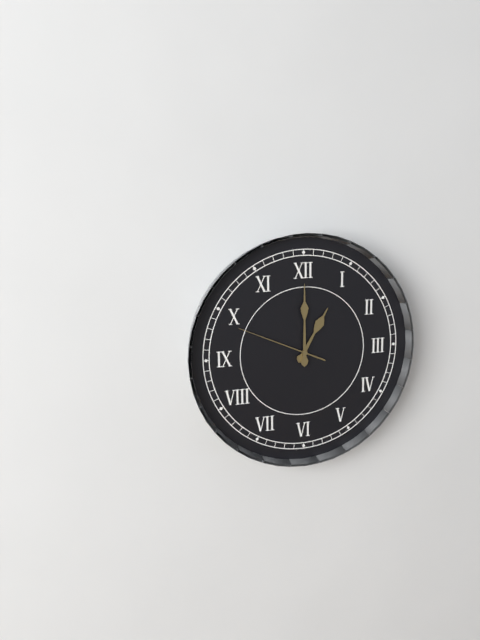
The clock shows 1.00.49
